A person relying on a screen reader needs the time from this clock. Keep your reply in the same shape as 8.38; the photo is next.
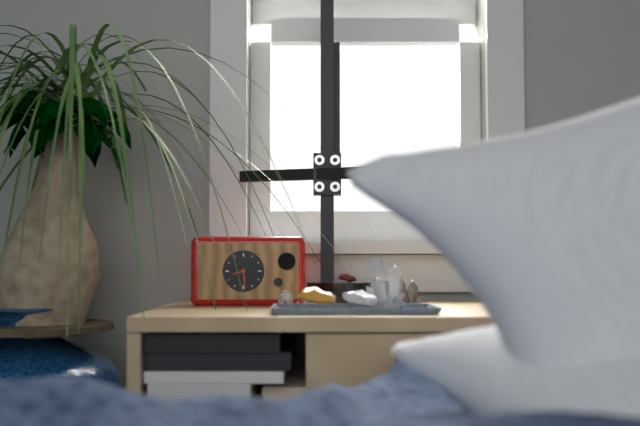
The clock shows 8.29
